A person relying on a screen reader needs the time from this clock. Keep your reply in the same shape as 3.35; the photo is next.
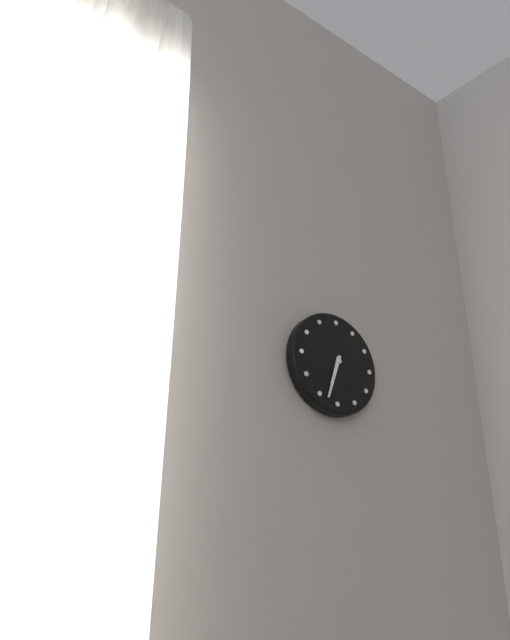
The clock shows 6.33
